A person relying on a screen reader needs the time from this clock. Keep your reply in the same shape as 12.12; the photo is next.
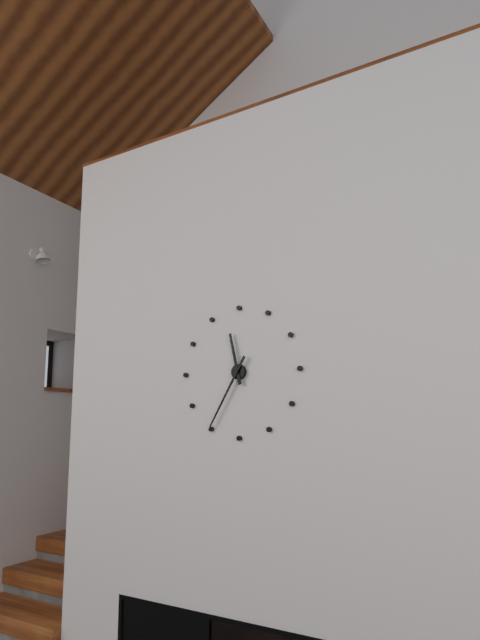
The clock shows 11.35
